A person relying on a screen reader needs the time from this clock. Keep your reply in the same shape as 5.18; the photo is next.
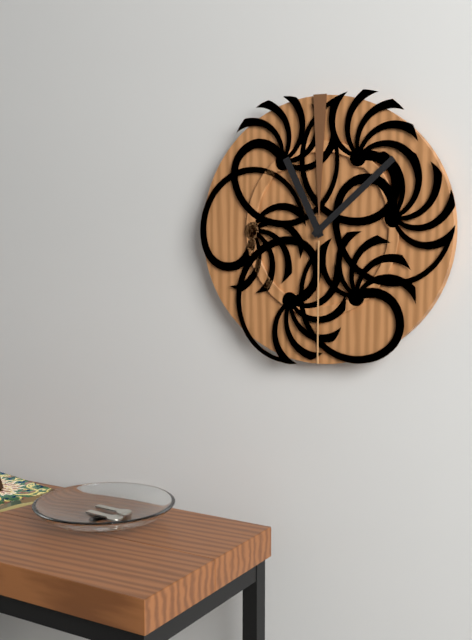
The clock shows 11.08
